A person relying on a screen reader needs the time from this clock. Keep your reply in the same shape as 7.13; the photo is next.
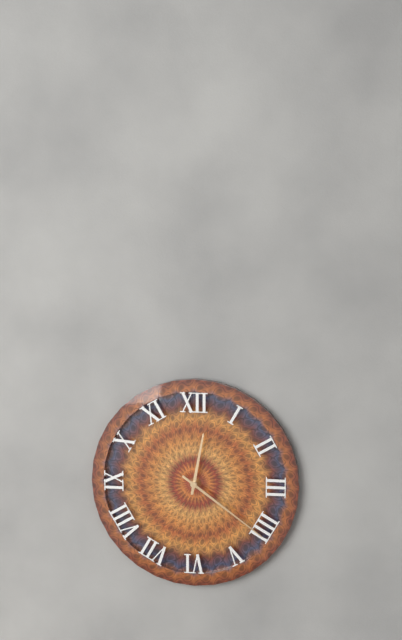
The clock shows 12.21
